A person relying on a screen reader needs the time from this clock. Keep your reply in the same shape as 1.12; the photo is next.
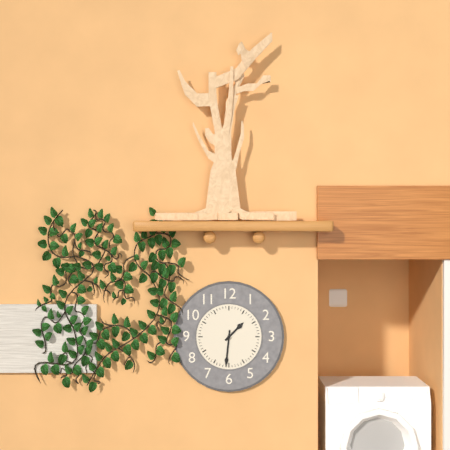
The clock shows 1.31
